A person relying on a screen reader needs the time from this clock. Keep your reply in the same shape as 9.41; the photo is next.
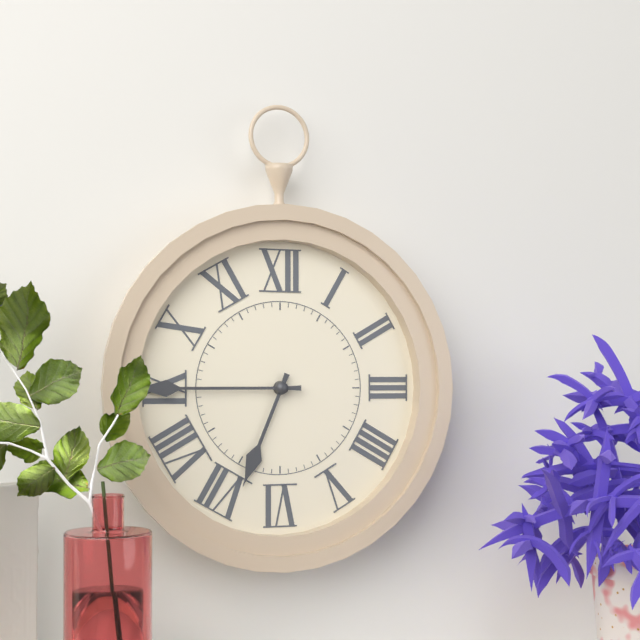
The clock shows 6.45
